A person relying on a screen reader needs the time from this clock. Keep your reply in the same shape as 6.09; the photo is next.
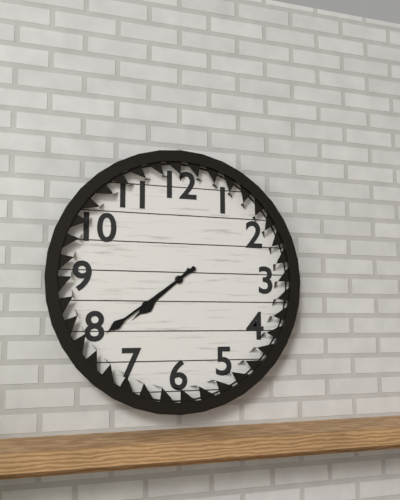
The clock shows 7.39
